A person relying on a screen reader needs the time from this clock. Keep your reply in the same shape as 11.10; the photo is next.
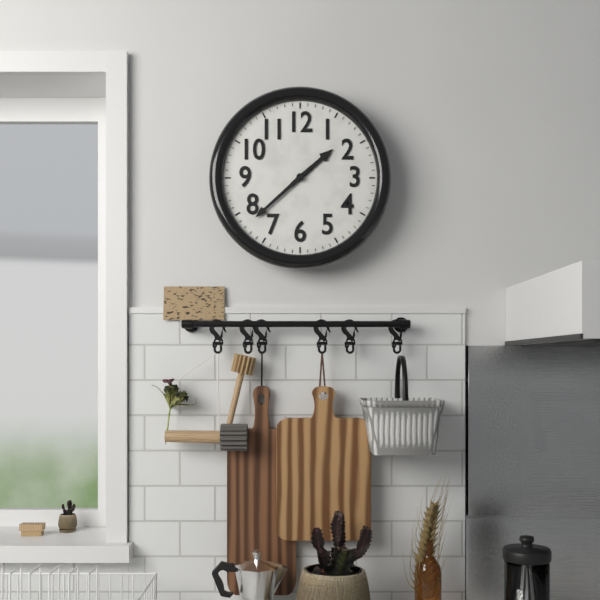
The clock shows 1.38
